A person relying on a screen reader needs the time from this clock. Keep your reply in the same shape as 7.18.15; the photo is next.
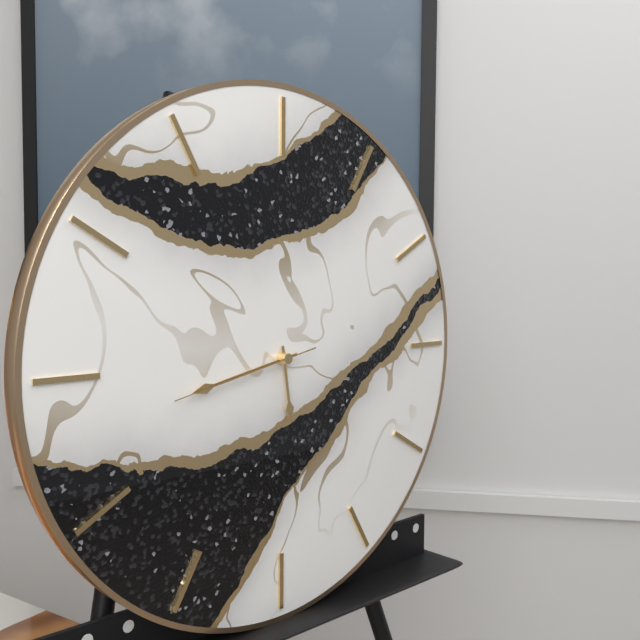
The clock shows 5.43.43
